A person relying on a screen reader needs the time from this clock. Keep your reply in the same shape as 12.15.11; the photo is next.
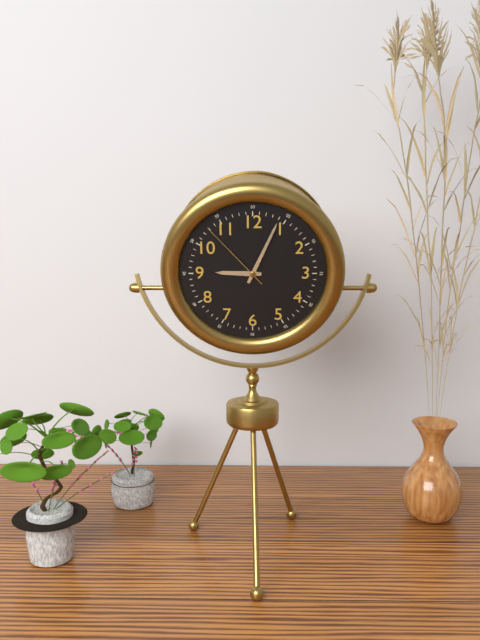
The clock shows 9.04.53
